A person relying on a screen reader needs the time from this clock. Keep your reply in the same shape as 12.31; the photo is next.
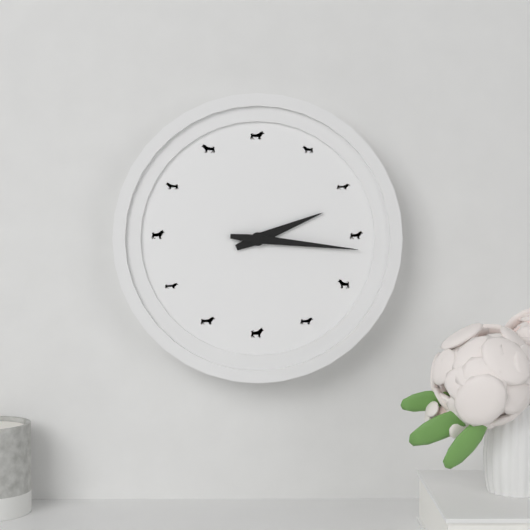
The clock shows 2.16
